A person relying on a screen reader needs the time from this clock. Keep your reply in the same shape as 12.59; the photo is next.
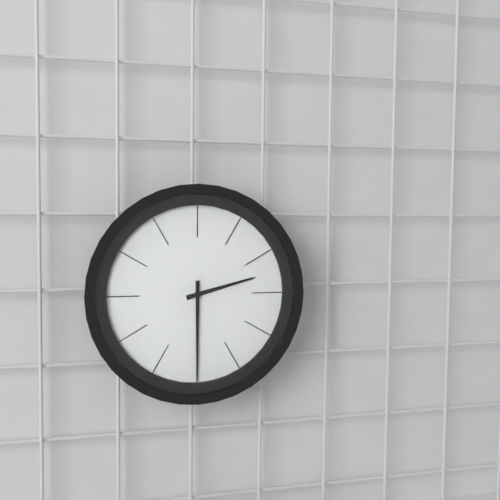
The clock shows 2.30
